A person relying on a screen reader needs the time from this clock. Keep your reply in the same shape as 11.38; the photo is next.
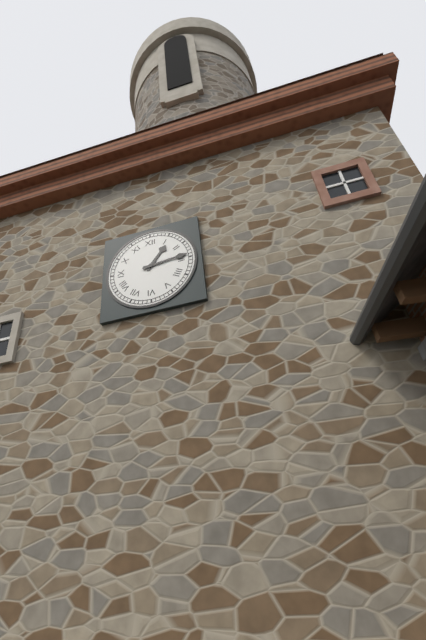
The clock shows 1.14
